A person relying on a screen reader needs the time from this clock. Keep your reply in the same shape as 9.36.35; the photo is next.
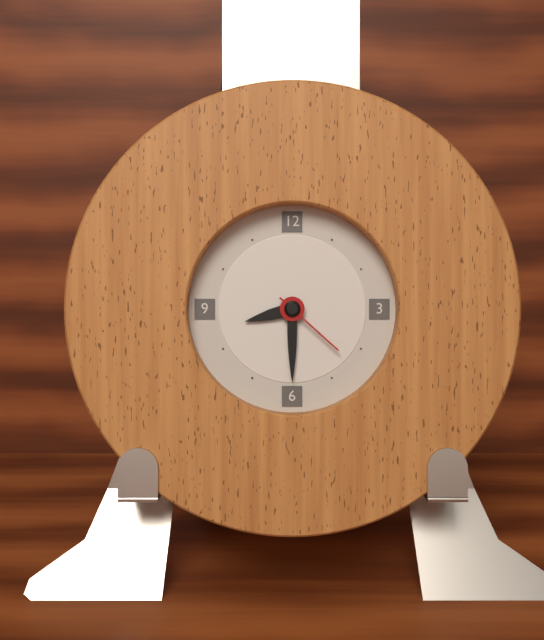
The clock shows 8.30.22
